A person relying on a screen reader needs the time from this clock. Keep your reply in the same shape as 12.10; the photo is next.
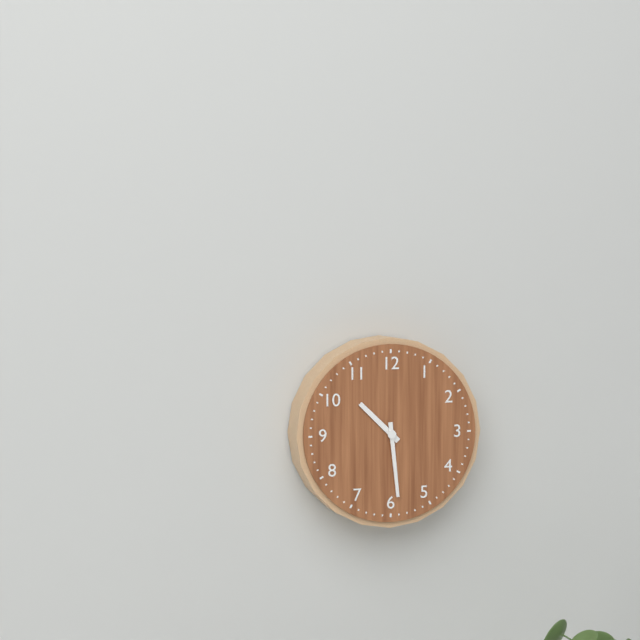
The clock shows 10.29
